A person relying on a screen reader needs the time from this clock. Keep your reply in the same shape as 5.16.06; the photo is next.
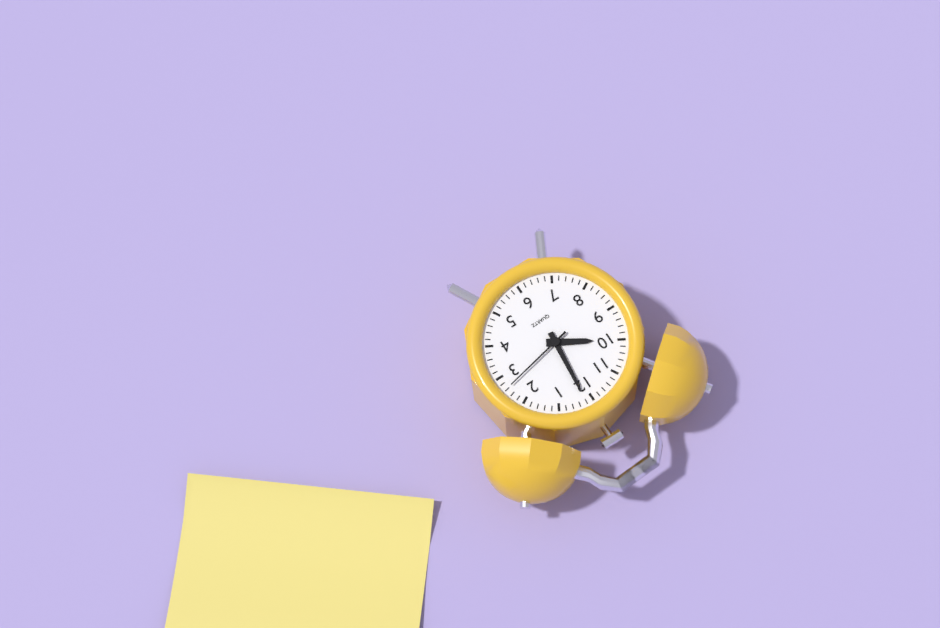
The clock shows 10.01.13
